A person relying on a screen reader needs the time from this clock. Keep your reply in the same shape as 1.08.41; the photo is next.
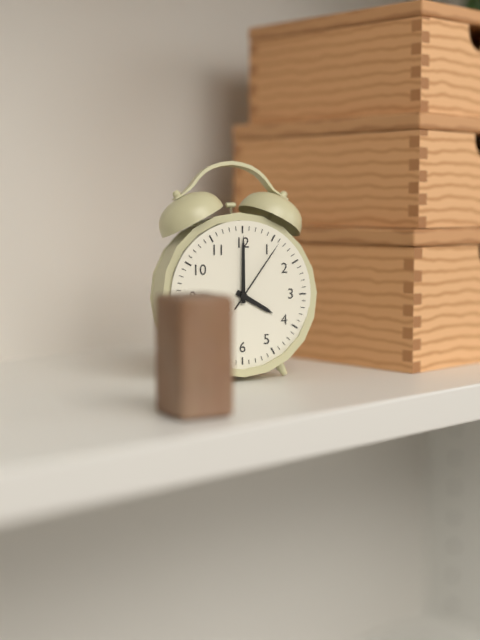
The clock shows 4.00.06
